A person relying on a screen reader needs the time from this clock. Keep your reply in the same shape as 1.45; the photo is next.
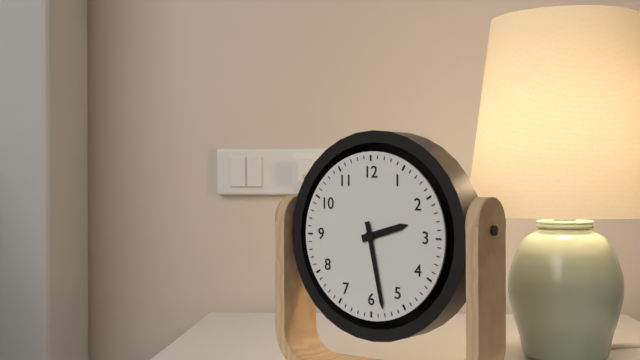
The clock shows 2.28
